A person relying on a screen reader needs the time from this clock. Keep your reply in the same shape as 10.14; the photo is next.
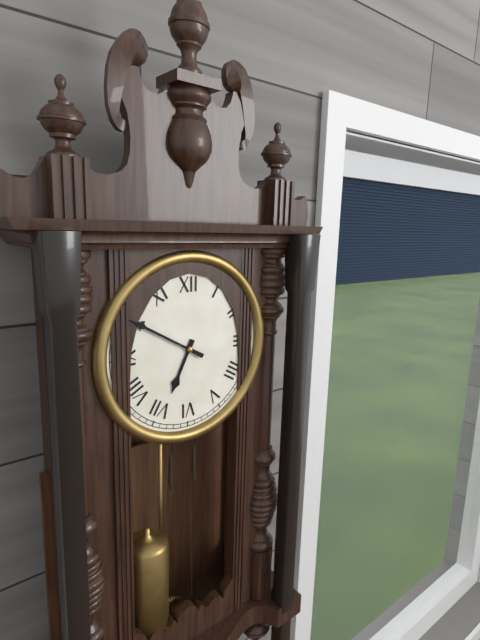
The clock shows 6.50
